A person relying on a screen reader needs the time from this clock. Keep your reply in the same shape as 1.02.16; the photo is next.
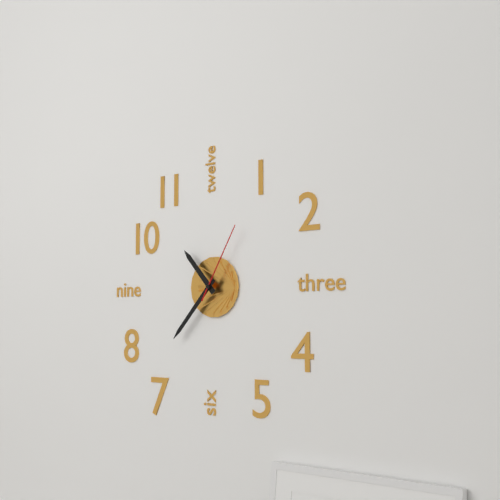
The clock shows 10.37.05
